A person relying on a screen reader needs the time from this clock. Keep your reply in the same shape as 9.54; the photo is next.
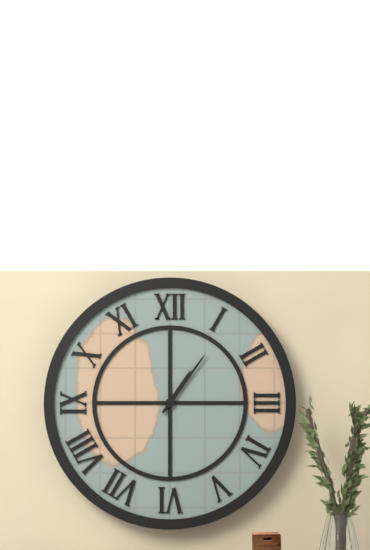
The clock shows 1.06
